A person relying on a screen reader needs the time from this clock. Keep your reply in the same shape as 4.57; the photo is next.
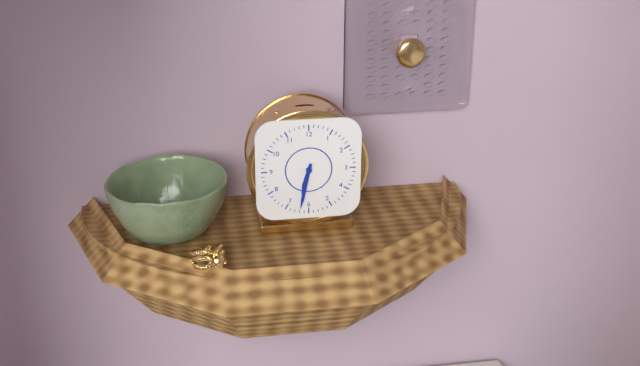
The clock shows 6.32
